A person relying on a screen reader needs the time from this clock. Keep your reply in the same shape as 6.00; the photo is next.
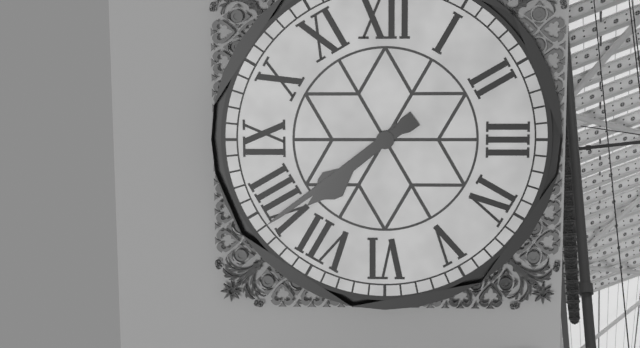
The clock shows 7.39
